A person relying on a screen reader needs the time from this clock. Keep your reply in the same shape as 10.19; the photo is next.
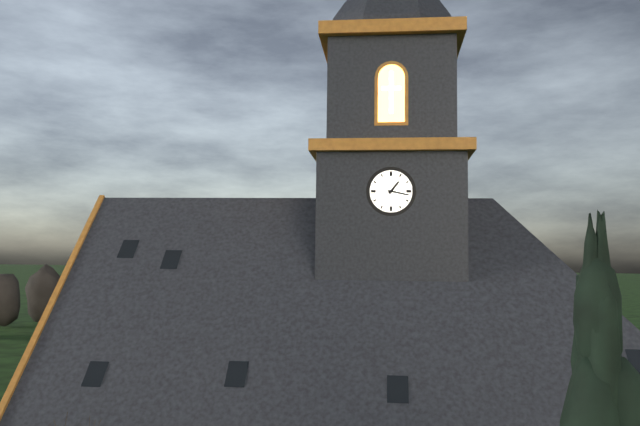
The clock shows 1.17
